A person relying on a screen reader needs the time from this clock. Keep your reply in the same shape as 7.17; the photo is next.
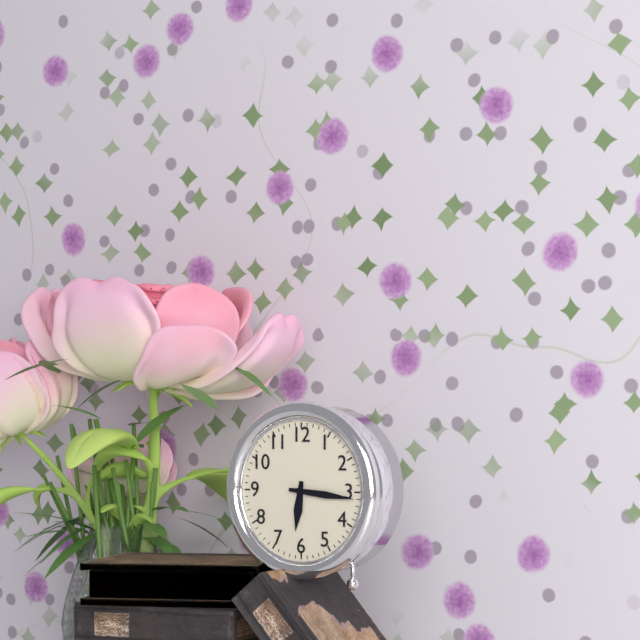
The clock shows 6.16
